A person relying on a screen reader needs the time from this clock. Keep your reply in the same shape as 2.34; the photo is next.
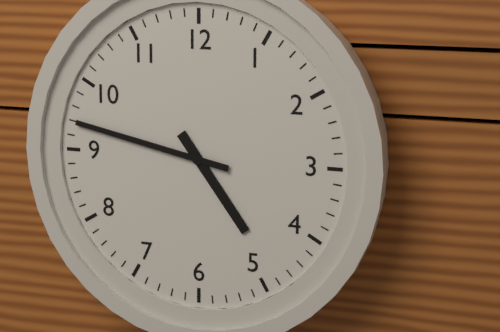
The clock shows 4.47
